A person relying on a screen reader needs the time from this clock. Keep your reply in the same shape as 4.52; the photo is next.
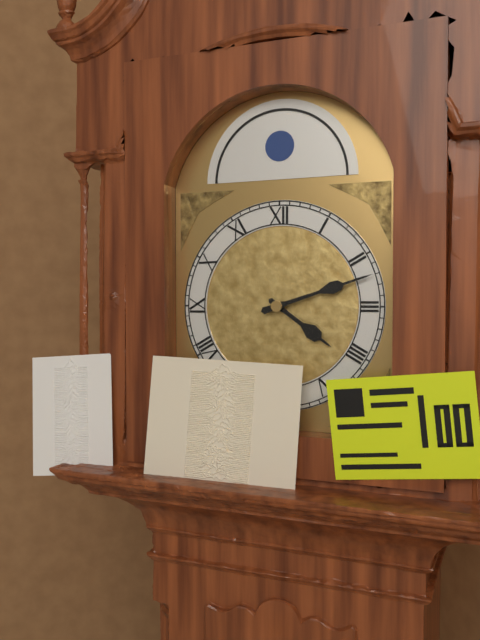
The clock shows 4.12
